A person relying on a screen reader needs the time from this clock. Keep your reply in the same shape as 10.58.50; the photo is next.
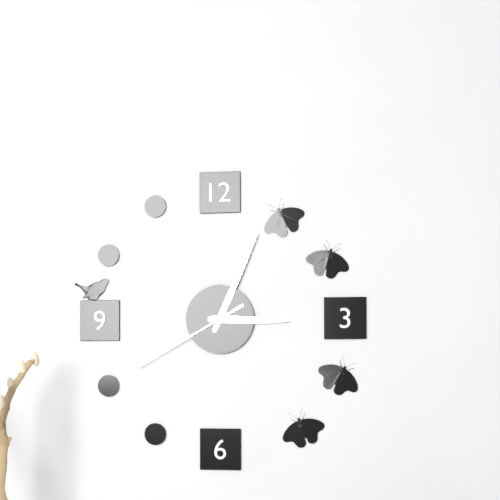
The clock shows 3.04.40
